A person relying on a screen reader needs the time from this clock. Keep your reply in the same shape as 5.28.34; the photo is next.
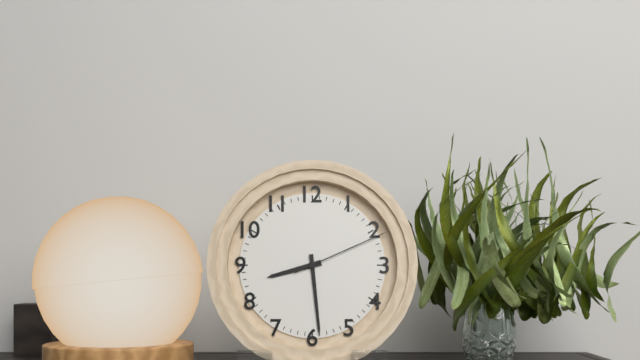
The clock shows 8.29.11
